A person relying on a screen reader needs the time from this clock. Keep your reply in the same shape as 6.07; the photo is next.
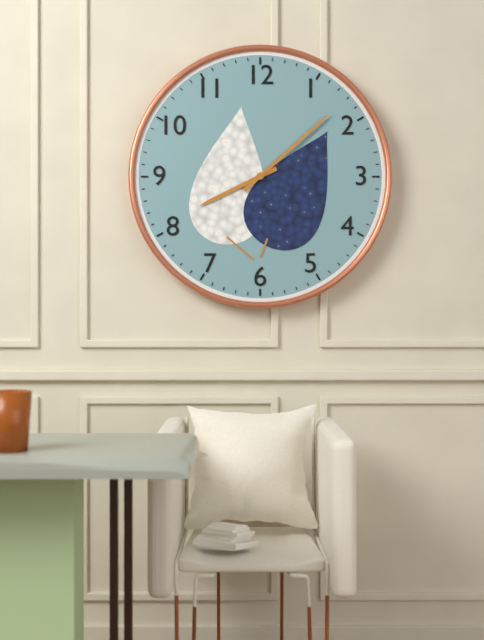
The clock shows 8.08
